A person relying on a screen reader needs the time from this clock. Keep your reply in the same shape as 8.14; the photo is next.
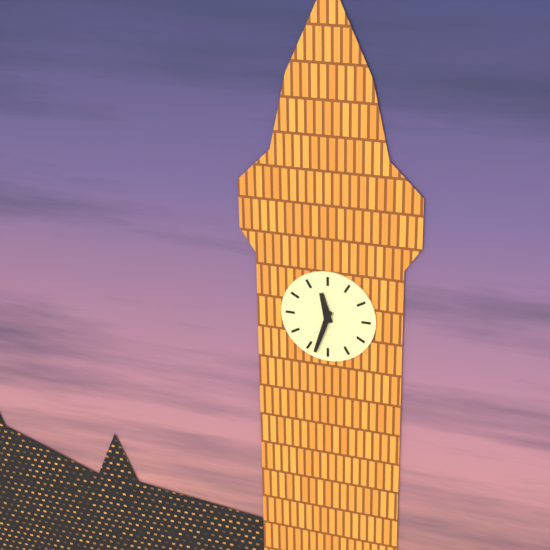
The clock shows 11.33
